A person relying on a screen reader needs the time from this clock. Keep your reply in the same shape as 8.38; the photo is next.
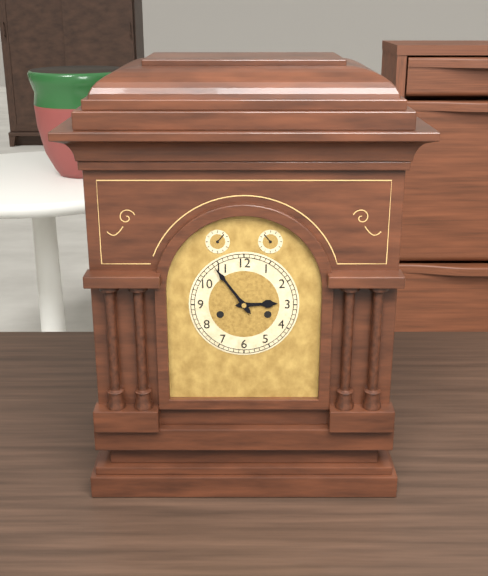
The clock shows 2.54
